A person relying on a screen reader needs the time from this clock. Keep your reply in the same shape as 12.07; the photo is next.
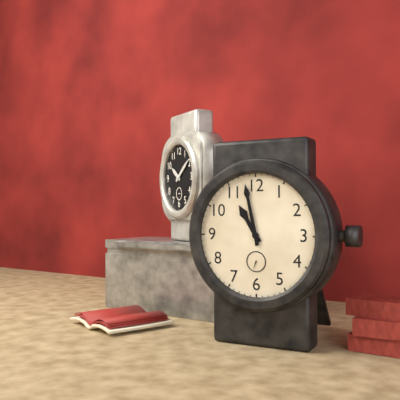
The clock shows 10.58
